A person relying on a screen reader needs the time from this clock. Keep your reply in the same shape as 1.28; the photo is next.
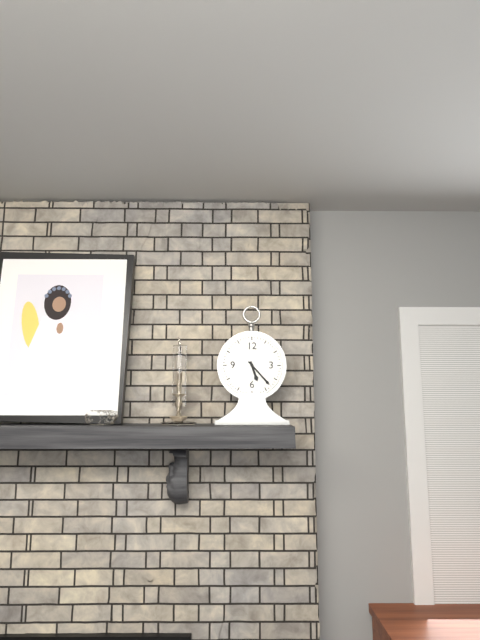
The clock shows 5.23
